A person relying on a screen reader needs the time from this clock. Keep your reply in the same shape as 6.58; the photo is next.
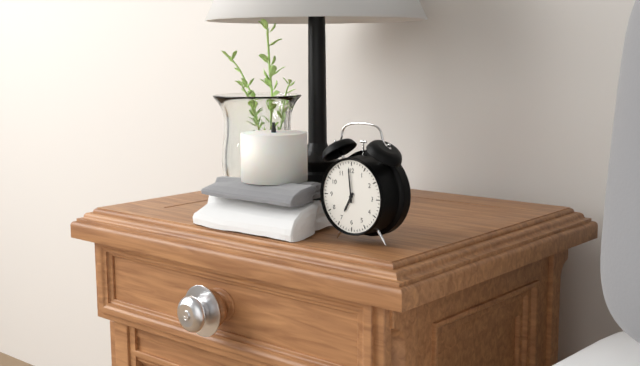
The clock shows 6.59
